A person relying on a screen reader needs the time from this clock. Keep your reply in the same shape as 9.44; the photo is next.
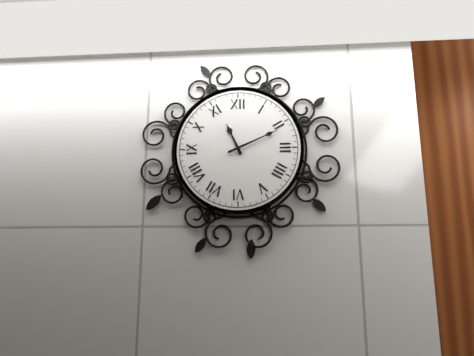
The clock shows 11.11
